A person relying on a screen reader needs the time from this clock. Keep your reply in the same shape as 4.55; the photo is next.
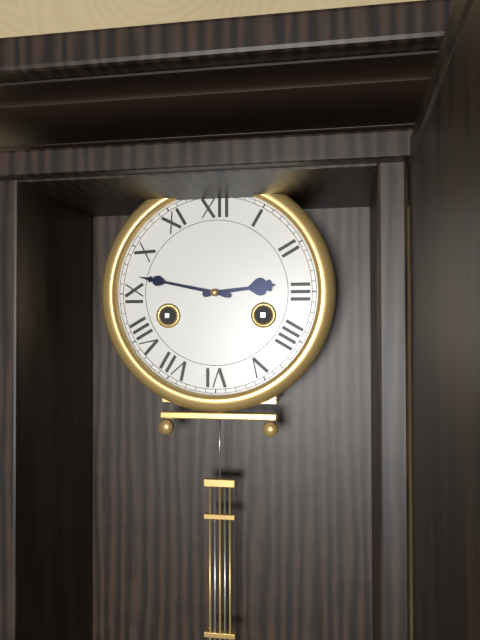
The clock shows 2.47
